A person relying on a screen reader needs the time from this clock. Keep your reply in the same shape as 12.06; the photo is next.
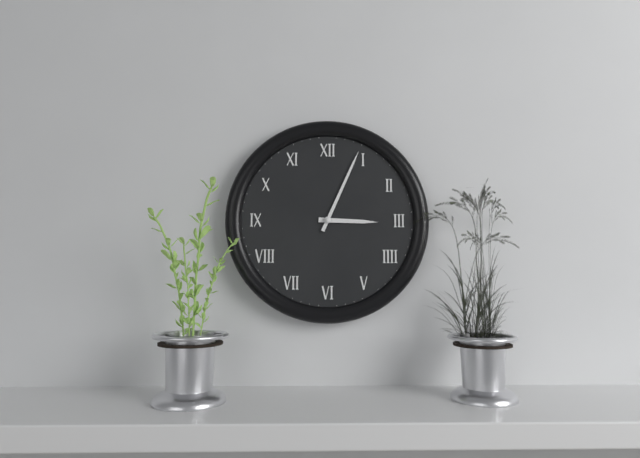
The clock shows 3.04
